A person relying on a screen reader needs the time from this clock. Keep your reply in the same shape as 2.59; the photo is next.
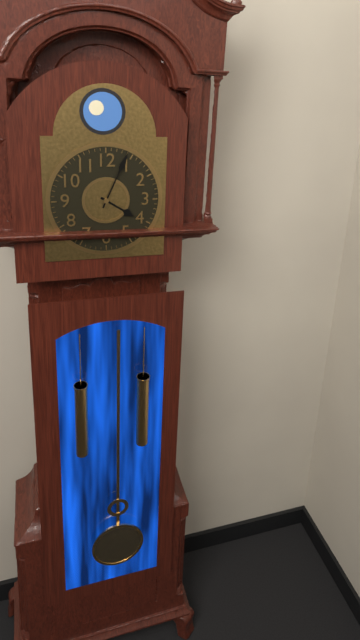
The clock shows 4.04
